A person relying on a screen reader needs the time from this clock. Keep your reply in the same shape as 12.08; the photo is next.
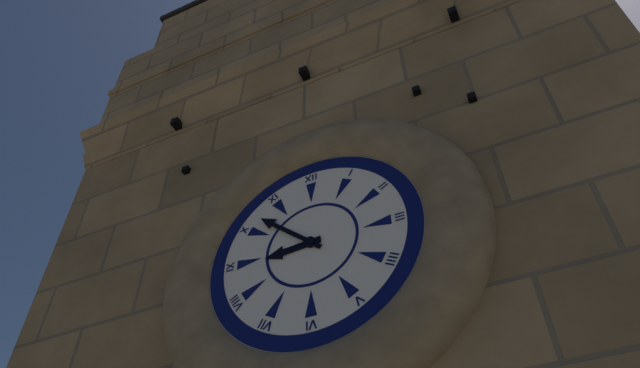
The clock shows 8.52
